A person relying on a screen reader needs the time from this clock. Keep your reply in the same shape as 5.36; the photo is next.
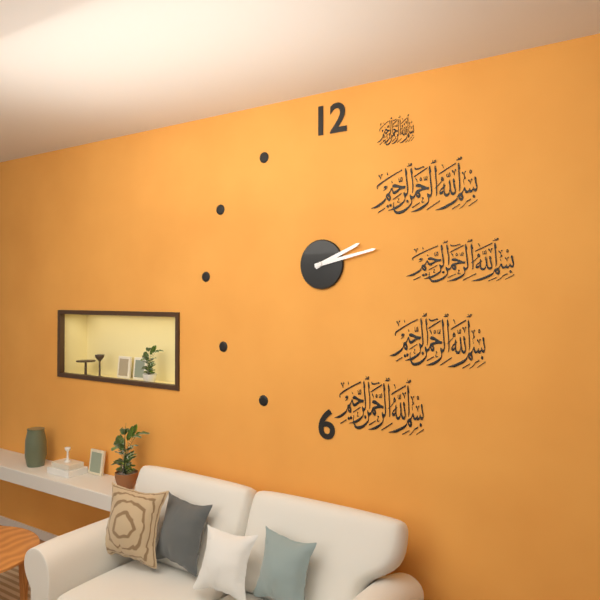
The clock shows 2.13
